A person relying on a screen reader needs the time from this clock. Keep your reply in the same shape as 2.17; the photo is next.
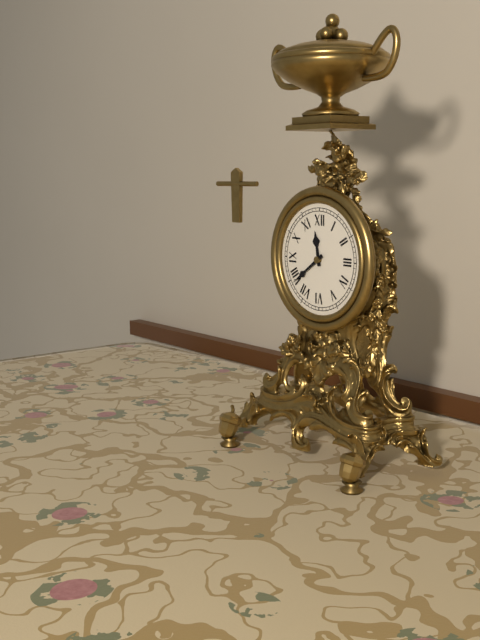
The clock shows 11.39
